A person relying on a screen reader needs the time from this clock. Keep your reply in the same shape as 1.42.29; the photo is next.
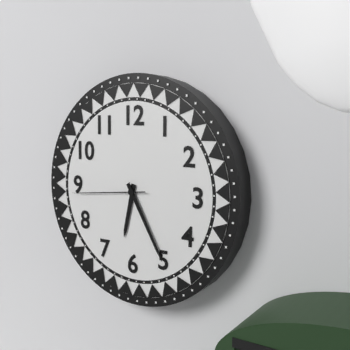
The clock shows 6.25.44
